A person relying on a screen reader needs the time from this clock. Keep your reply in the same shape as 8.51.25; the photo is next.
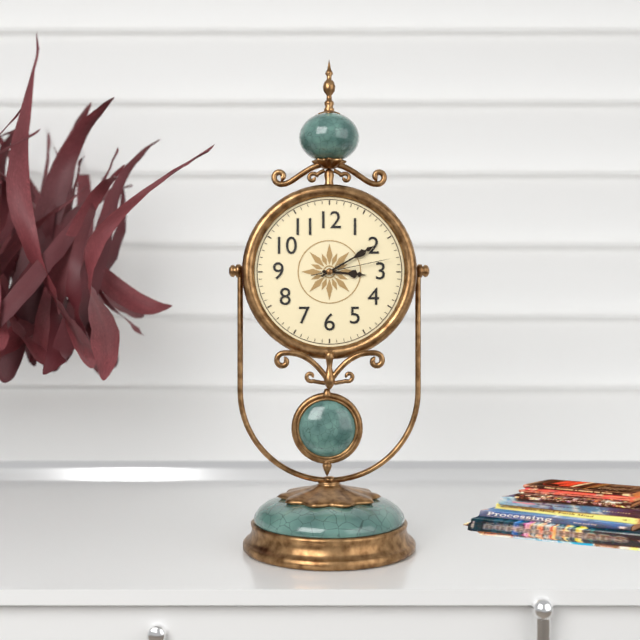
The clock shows 3.10.13
